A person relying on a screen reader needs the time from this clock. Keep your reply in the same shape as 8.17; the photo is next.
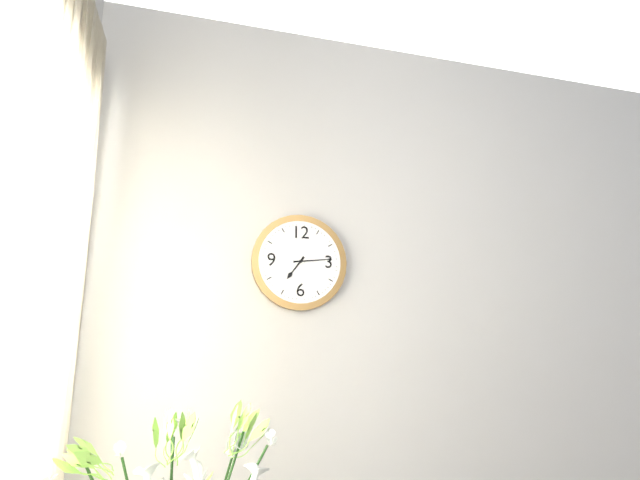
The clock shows 7.14
